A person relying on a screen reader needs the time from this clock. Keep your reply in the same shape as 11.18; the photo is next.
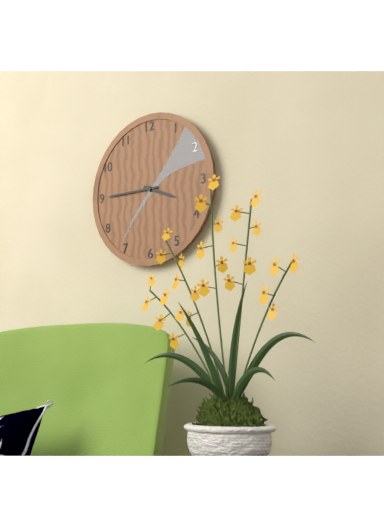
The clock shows 3.45
